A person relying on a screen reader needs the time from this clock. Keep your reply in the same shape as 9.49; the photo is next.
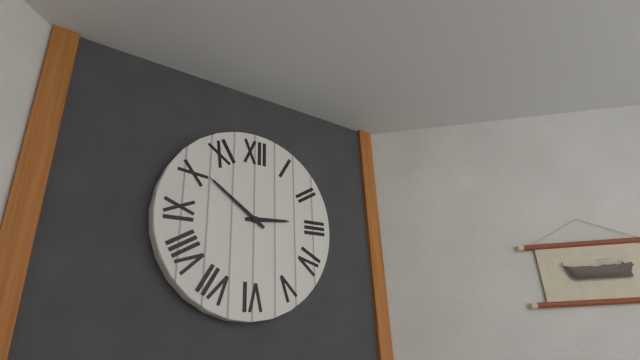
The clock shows 2.51
